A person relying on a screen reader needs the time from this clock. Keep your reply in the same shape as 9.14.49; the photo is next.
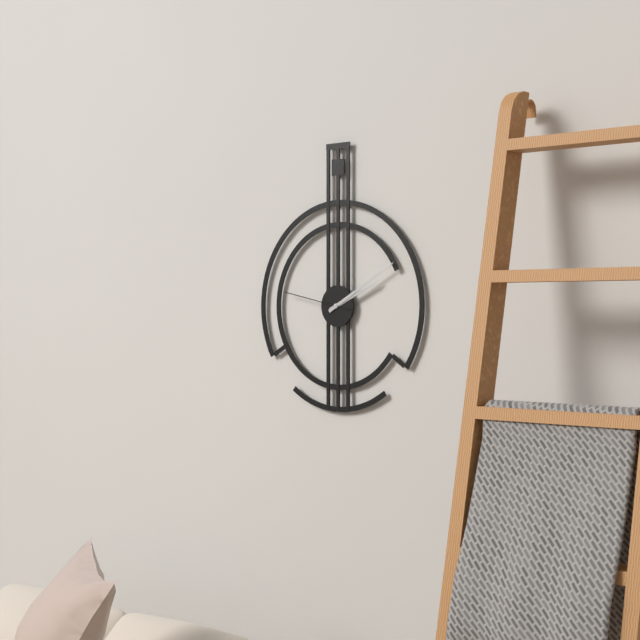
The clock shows 2.10.47
